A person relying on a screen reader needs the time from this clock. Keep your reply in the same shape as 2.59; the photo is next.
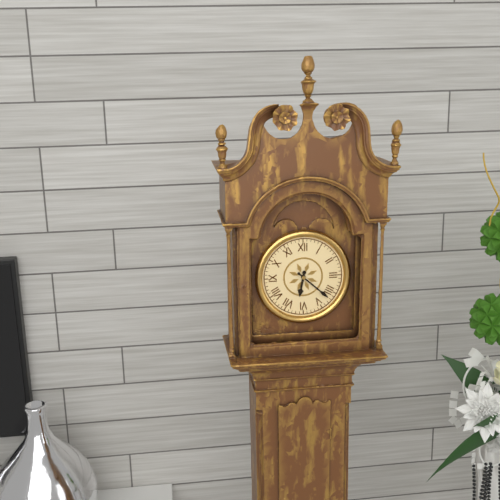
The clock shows 6.22
